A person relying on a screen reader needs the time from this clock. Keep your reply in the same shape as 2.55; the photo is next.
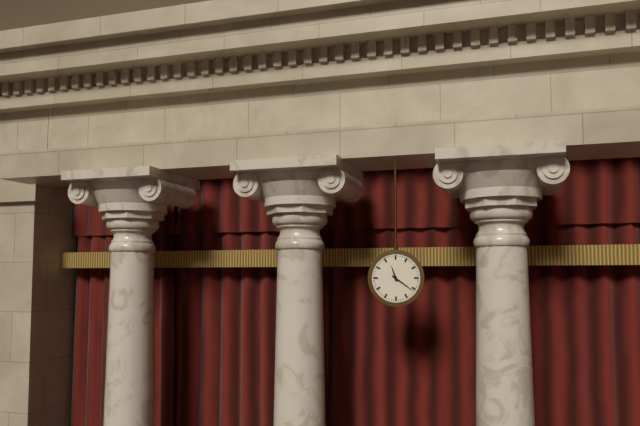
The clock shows 11.21
